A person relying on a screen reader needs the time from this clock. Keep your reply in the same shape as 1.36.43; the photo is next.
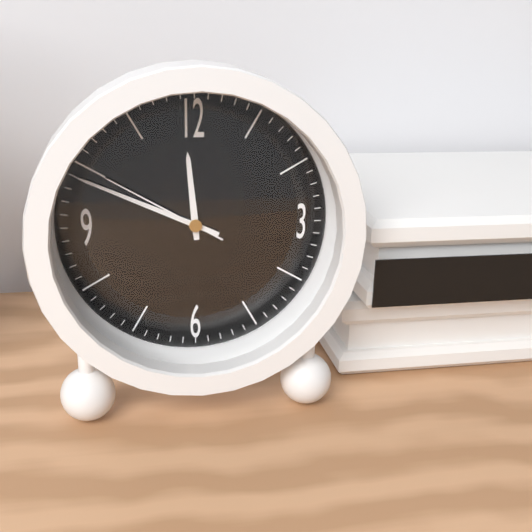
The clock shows 11.49.50
